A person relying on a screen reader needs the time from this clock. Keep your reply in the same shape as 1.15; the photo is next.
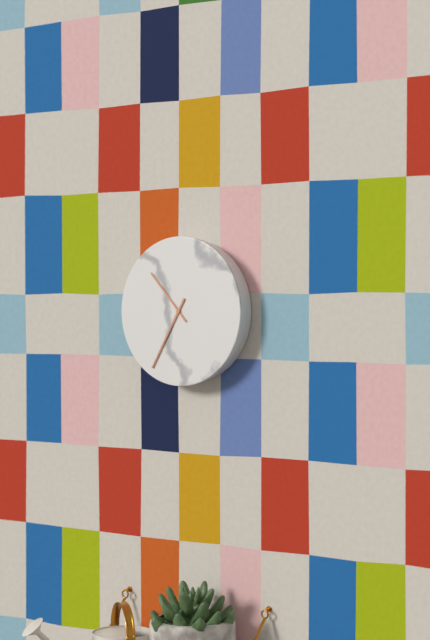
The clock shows 10.35
